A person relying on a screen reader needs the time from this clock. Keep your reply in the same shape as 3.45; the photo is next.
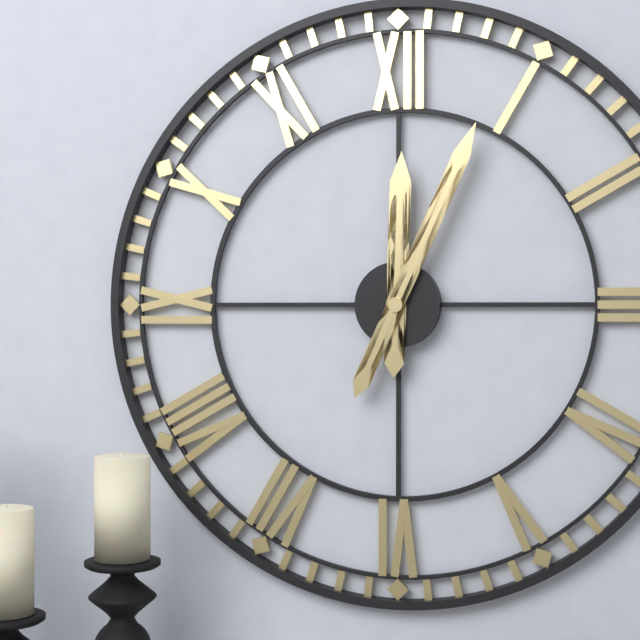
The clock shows 12.04
